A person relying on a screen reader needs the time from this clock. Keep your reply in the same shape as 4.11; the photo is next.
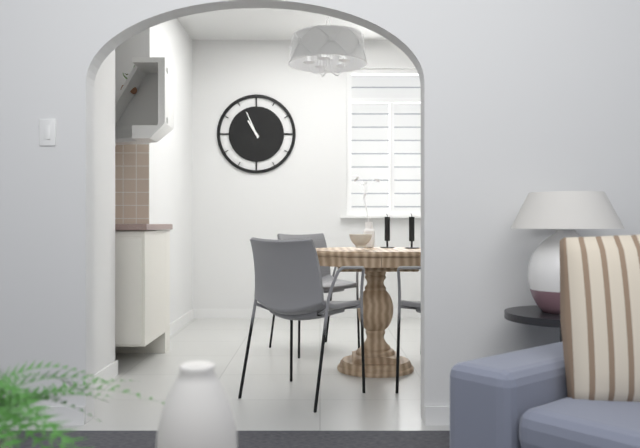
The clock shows 10.56
